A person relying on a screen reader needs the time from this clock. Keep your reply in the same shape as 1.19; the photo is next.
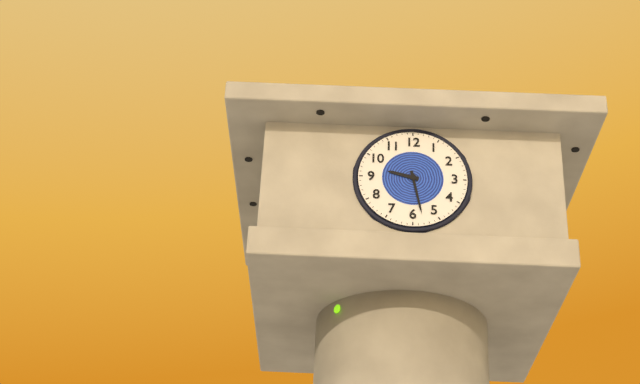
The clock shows 9.28
